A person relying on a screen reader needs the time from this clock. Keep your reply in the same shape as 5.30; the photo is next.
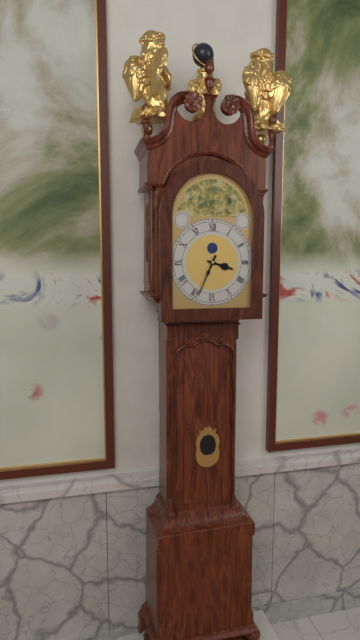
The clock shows 3.34
